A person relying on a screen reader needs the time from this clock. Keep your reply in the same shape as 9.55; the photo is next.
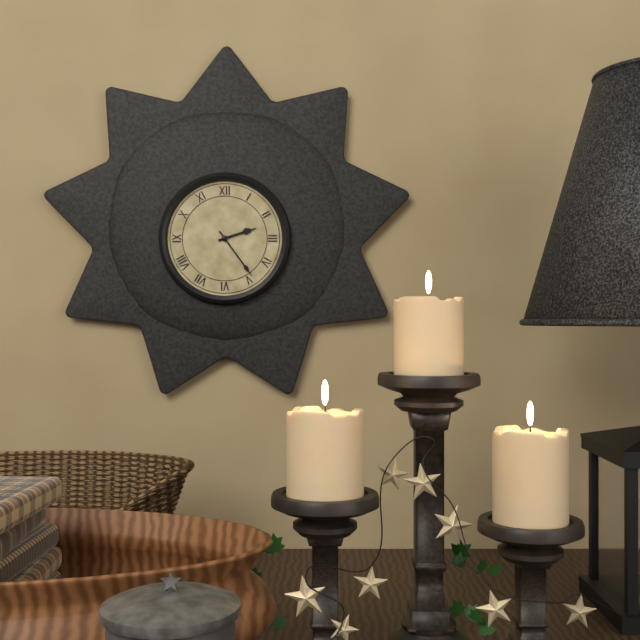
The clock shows 2.24
